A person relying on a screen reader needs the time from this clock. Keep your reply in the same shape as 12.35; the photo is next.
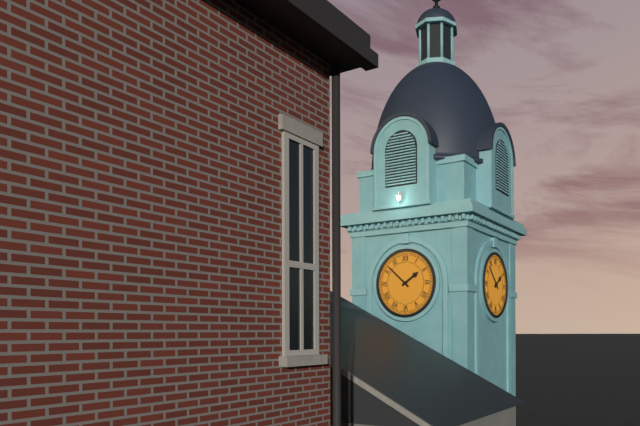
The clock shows 1.52
